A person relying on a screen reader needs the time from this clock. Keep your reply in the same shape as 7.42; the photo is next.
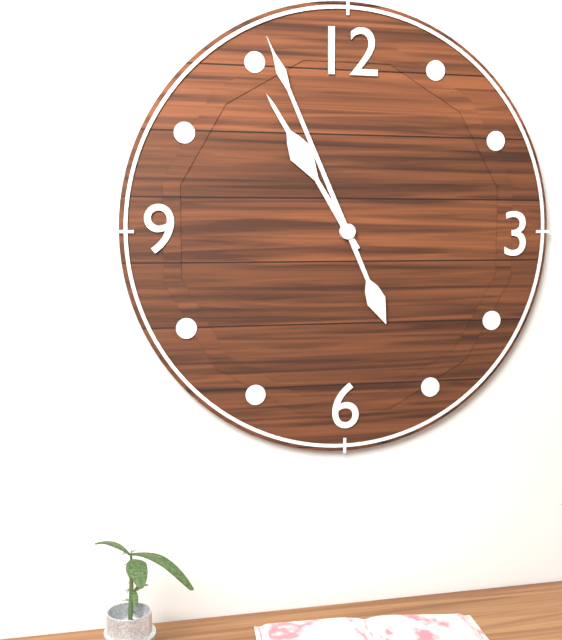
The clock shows 10.56
